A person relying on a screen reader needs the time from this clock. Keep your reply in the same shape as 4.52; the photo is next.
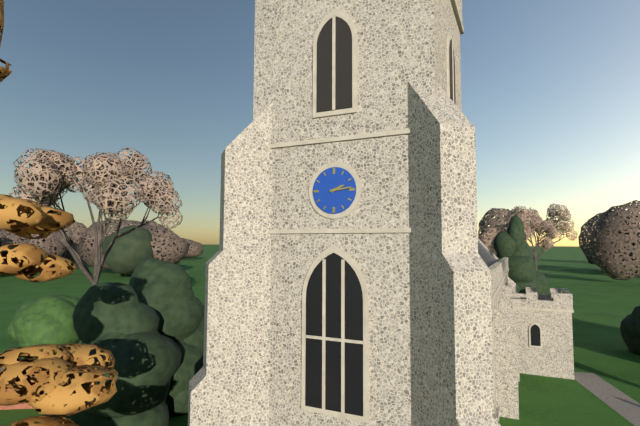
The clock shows 2.14
